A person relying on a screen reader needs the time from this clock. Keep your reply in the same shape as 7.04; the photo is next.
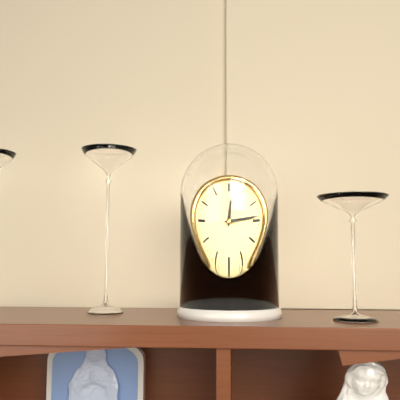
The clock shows 12.14
